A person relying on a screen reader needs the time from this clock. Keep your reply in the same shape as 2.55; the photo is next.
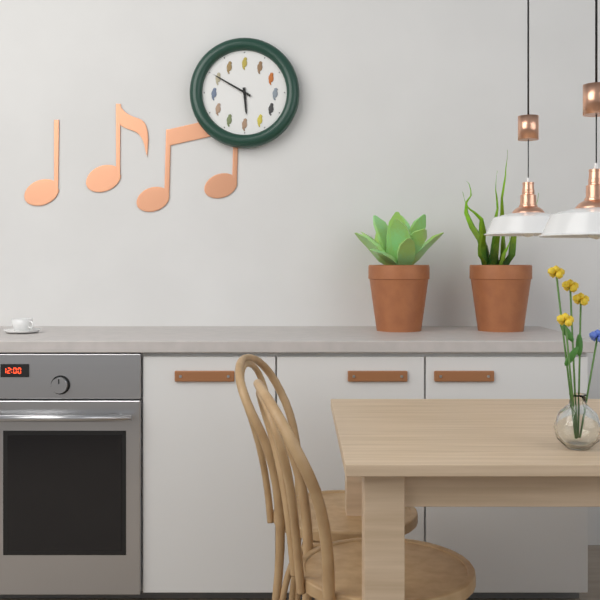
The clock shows 5.50
